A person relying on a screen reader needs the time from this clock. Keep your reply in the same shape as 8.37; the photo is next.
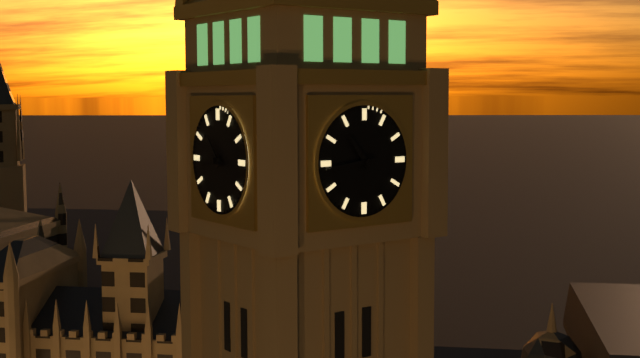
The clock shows 10.44
